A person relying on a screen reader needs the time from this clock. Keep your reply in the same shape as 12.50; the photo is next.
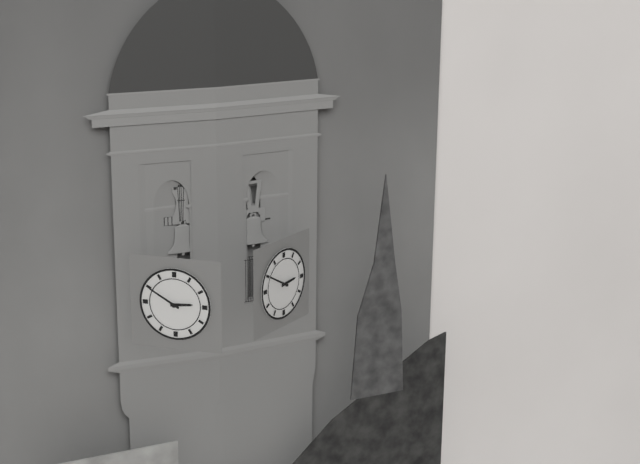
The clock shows 2.50
